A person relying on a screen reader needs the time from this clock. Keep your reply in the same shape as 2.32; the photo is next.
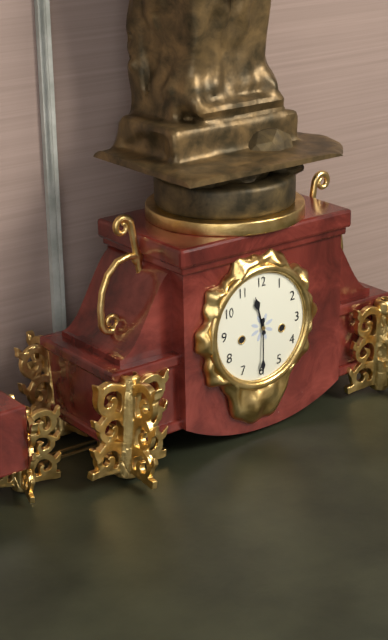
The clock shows 11.30
